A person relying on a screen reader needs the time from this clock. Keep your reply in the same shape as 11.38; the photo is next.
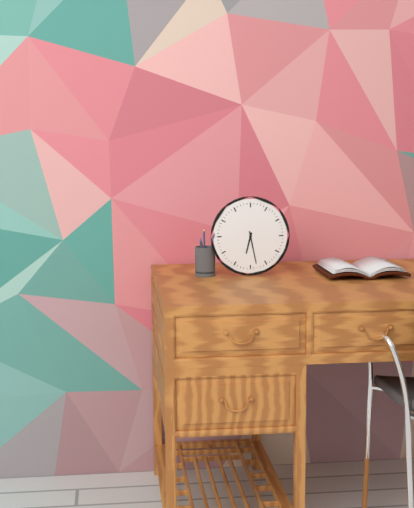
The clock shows 6.28
